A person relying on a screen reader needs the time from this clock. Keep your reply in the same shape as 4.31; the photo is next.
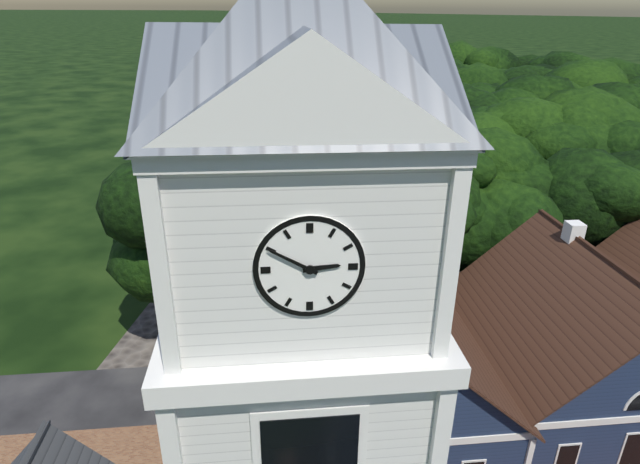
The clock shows 2.50
